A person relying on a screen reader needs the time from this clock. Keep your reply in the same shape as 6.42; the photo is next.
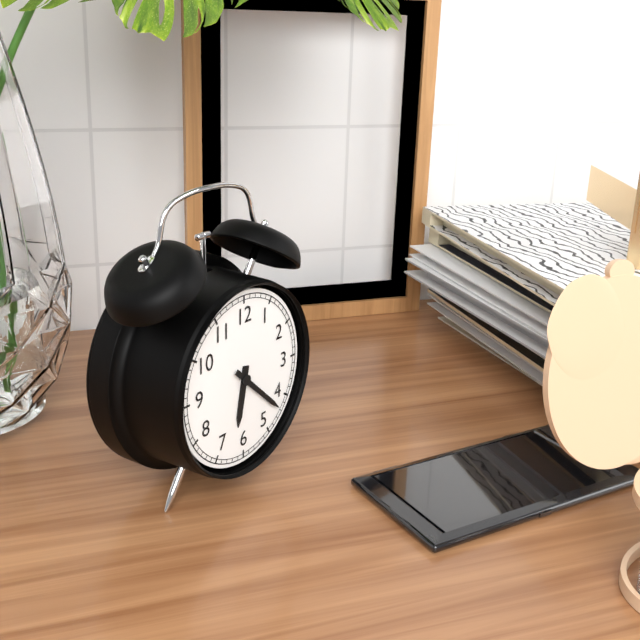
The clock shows 6.22
